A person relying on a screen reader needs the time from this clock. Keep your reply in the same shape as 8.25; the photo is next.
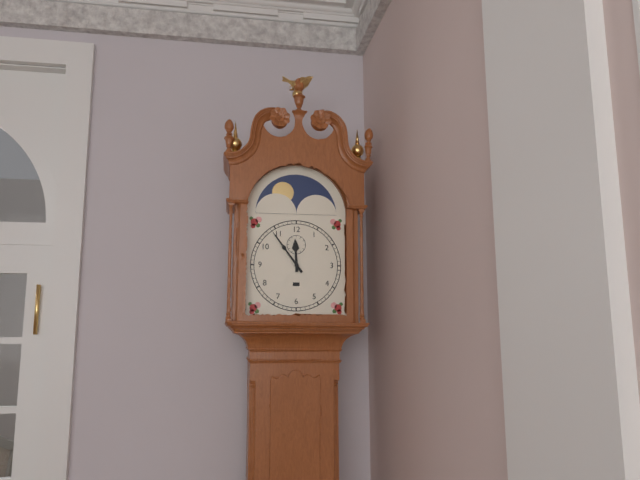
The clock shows 11.54
